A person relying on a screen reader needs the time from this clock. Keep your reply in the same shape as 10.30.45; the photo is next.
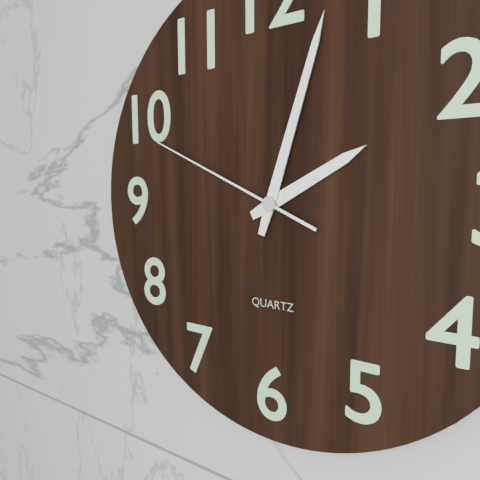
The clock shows 2.03.49
